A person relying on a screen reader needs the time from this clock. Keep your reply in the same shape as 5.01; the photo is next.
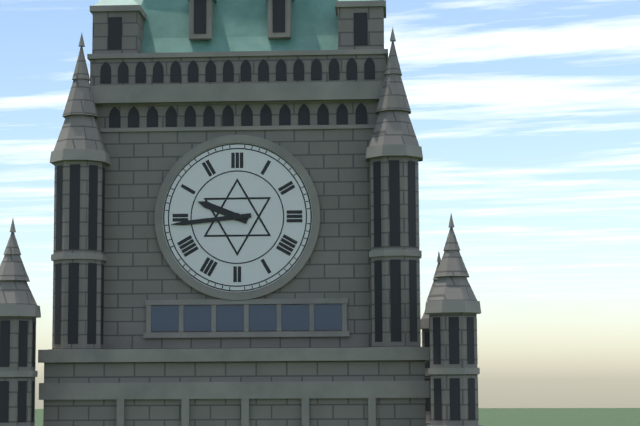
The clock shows 9.44
